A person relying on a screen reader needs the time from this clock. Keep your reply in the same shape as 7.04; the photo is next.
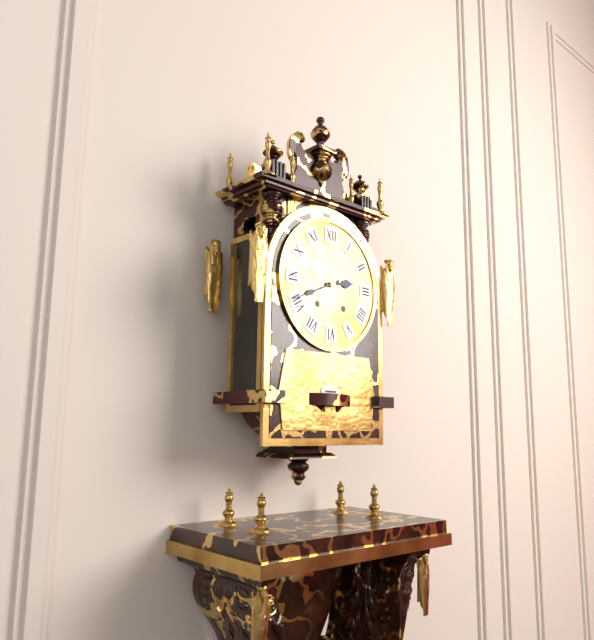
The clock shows 2.41
